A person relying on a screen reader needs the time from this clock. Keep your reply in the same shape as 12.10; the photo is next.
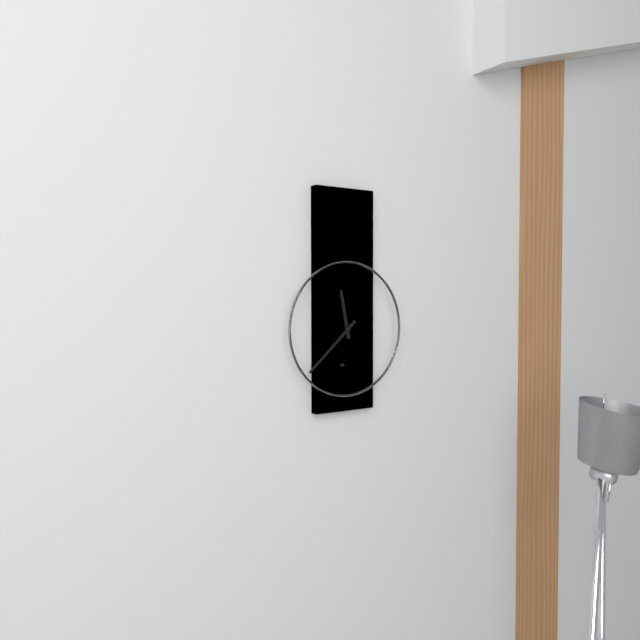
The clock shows 11.38
